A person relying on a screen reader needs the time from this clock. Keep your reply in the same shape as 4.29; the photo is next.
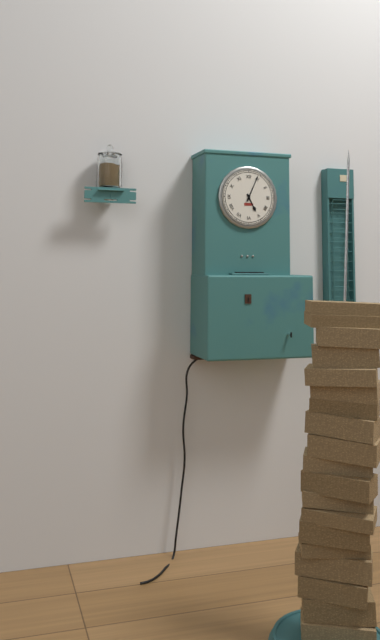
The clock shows 5.04
